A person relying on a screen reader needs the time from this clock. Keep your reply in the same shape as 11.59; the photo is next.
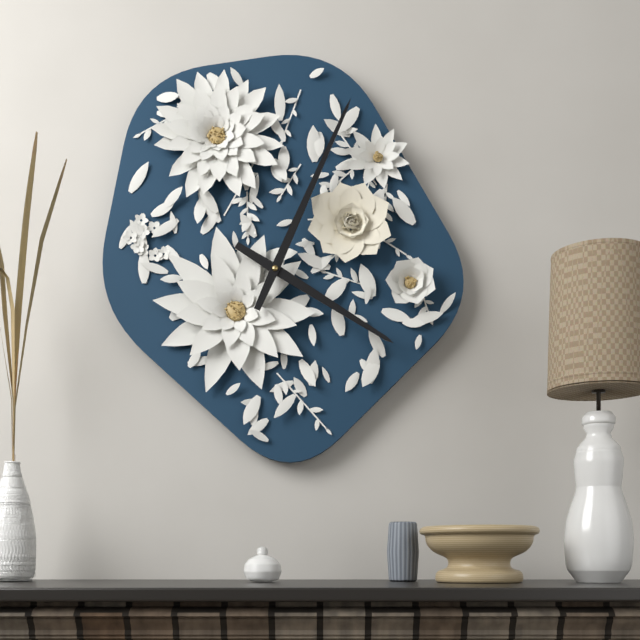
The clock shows 4.04
